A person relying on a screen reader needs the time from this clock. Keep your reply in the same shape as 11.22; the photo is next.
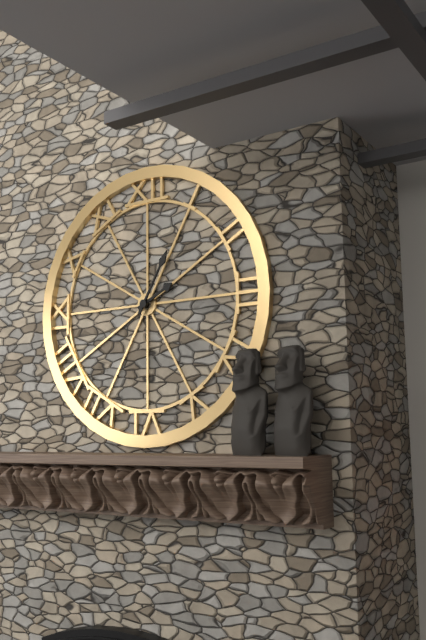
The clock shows 2.05
